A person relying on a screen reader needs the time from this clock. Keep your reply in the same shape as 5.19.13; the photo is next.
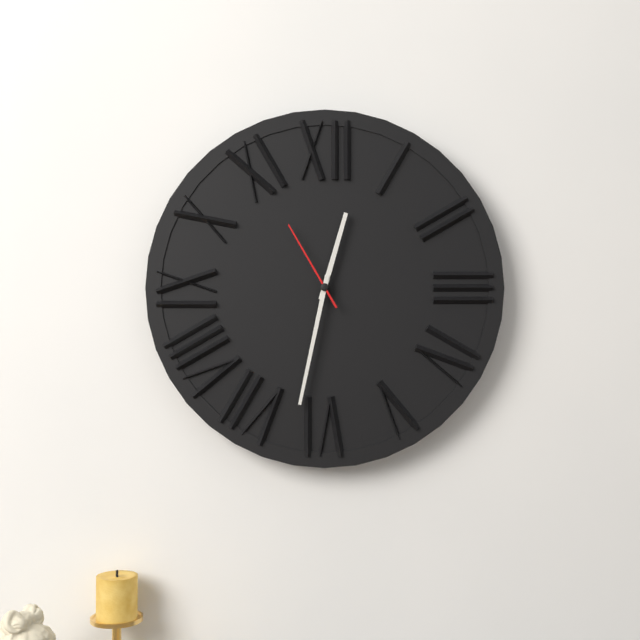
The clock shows 12.32.55
